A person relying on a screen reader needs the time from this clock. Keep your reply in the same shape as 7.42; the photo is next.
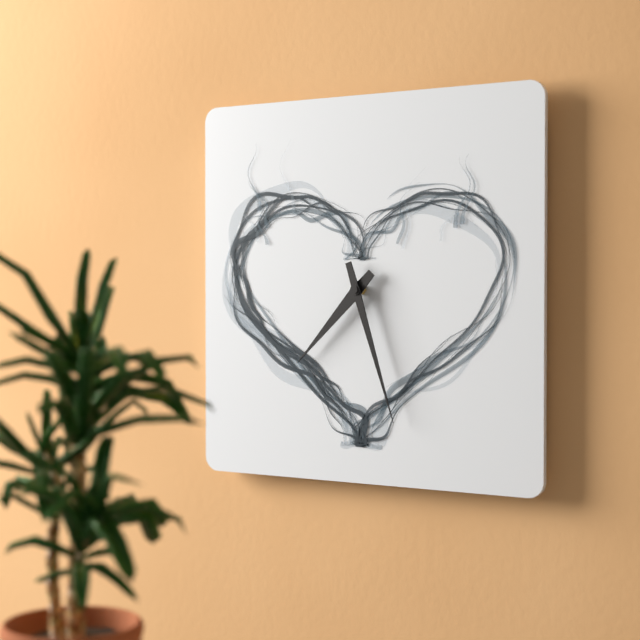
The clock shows 7.27
